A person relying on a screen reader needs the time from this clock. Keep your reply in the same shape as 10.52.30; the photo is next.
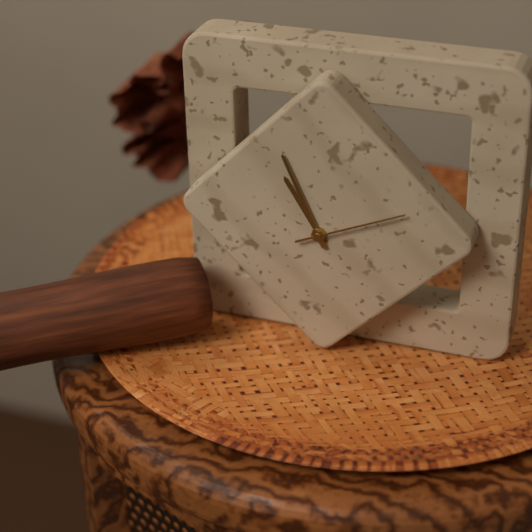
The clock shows 10.56.11
